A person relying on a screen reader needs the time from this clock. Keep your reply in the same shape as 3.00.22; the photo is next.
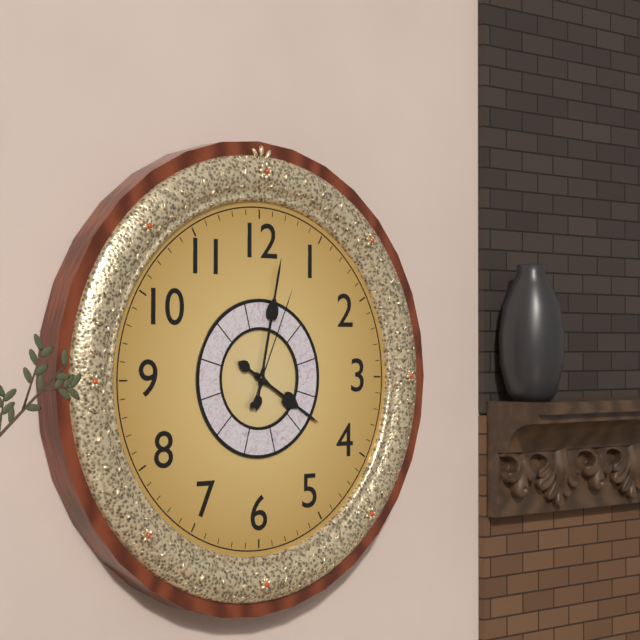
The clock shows 4.02.04
